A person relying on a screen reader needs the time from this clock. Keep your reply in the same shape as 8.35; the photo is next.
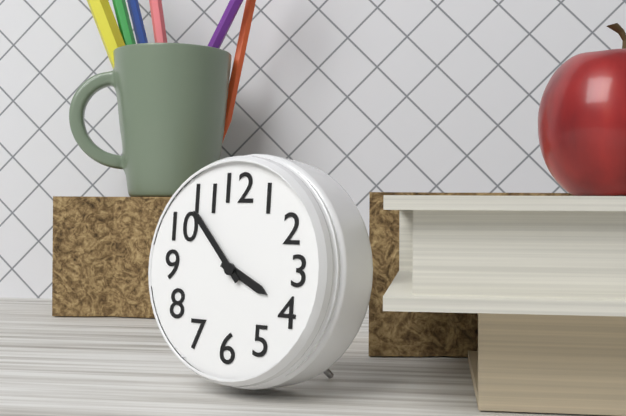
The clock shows 3.53
